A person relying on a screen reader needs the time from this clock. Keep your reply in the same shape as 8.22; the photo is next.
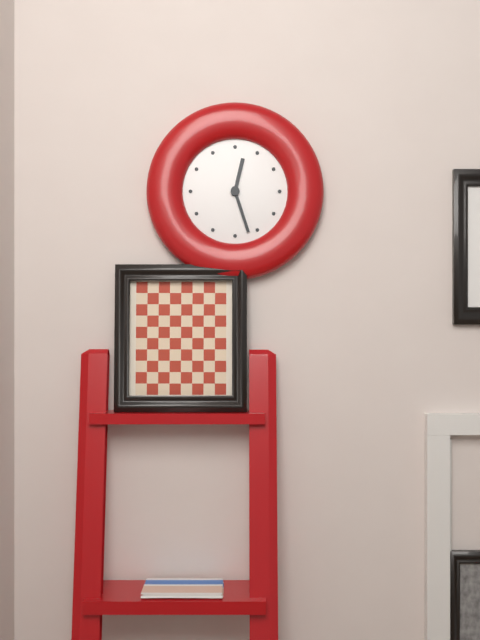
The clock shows 12.27
